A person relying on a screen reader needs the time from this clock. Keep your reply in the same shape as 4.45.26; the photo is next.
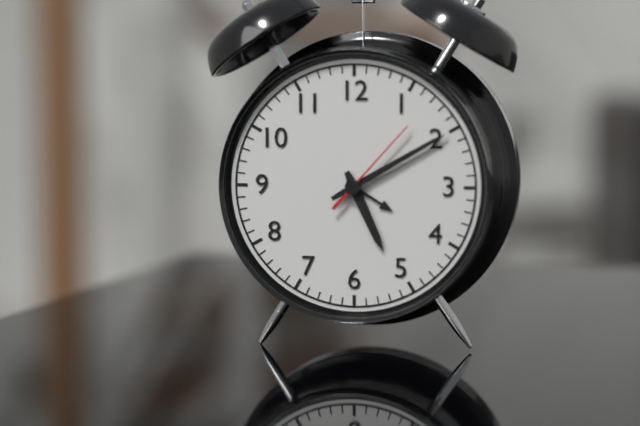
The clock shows 5.10.07
